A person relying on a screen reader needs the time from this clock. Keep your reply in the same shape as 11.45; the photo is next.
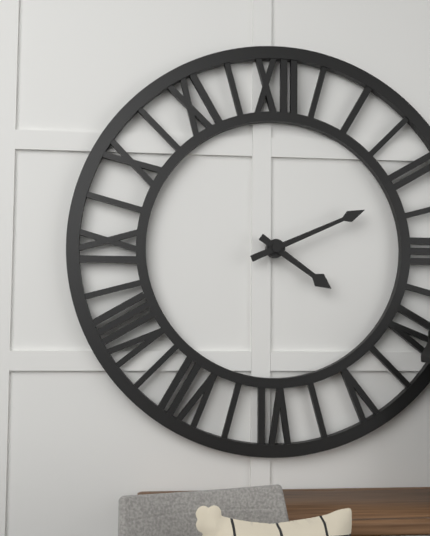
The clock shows 4.11
